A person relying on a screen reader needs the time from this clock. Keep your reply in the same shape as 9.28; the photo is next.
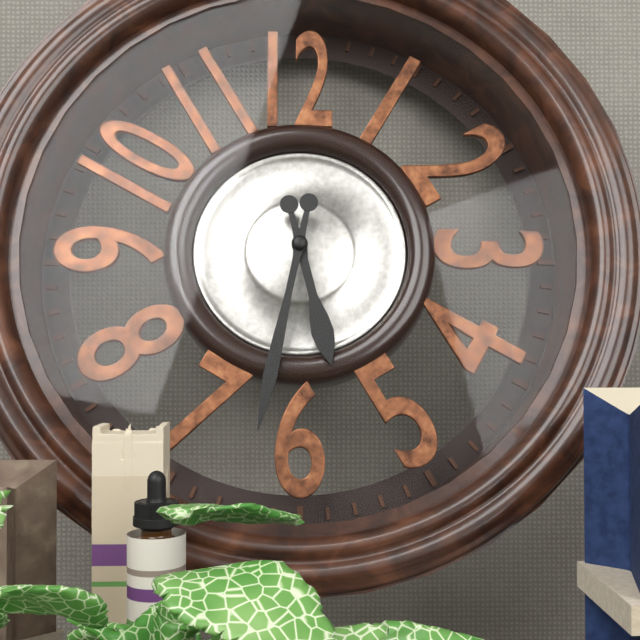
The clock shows 5.32
